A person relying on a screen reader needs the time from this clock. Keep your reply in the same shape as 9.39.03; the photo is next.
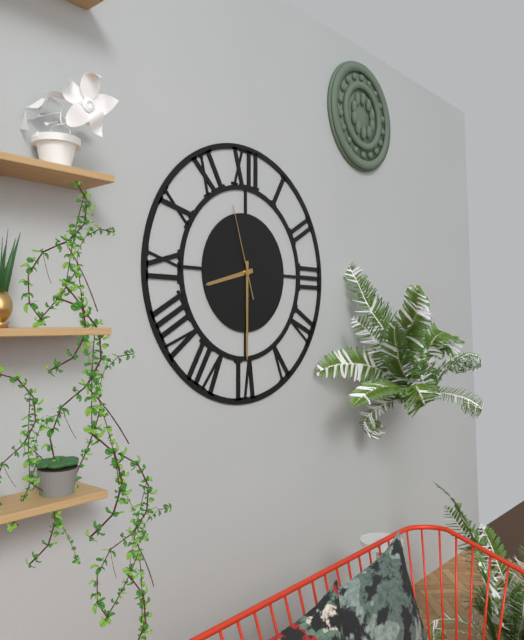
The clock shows 8.30.57
